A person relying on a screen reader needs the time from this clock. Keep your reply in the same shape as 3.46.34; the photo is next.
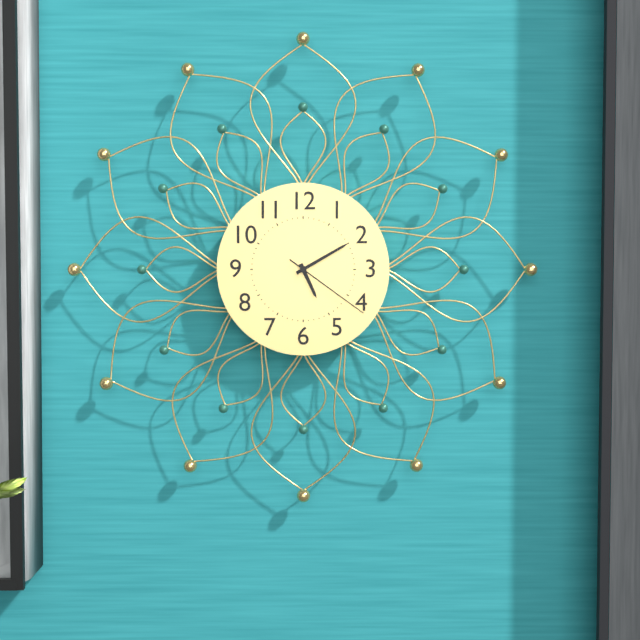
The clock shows 5.10.21
